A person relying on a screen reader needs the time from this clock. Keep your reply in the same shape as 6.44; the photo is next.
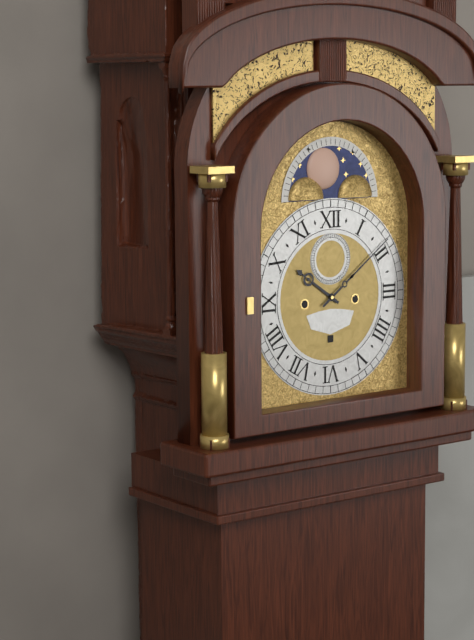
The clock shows 10.09
